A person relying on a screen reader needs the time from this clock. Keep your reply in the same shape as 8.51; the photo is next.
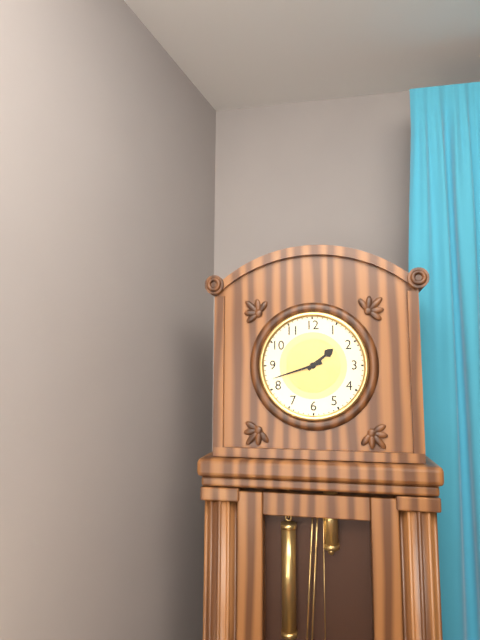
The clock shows 1.42
